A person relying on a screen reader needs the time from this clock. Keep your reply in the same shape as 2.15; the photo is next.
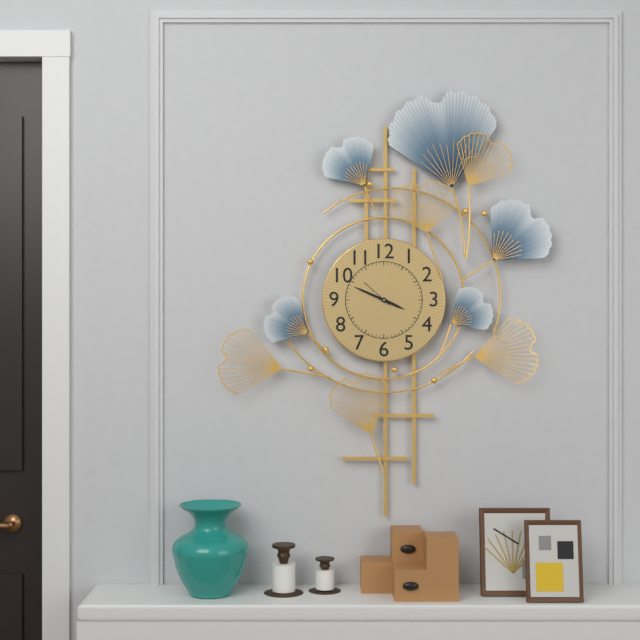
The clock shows 3.49
